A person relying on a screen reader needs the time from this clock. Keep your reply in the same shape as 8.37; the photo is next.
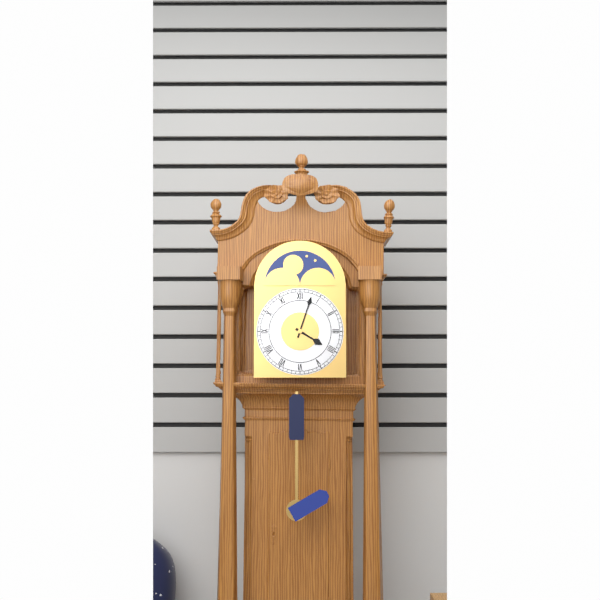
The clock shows 4.03
